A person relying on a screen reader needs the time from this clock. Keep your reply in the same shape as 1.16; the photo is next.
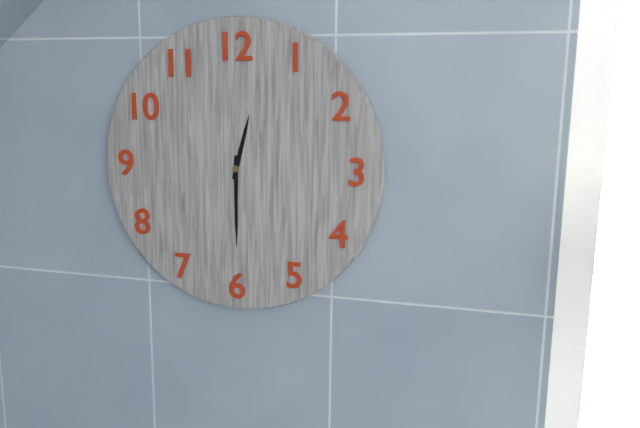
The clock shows 12.30
